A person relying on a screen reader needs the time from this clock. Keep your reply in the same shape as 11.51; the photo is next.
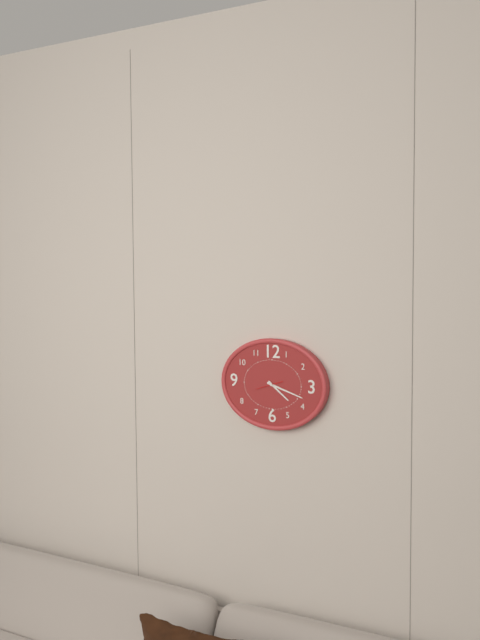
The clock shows 4.18
